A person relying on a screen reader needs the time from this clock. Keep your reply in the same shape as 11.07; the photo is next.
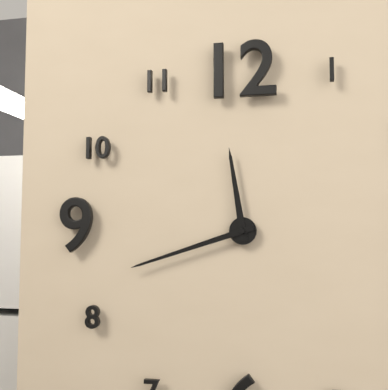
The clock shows 11.42
